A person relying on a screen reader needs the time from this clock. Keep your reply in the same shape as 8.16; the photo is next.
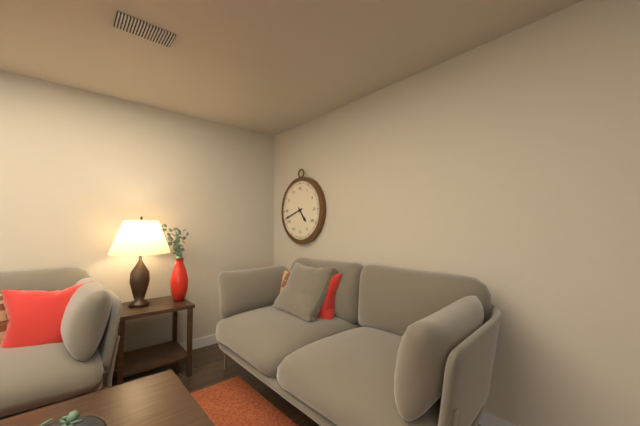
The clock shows 4.42
